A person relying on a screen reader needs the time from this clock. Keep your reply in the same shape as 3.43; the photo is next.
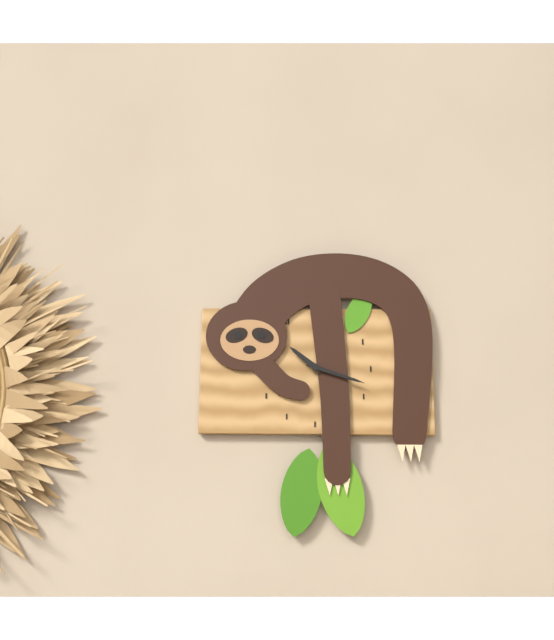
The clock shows 10.18
